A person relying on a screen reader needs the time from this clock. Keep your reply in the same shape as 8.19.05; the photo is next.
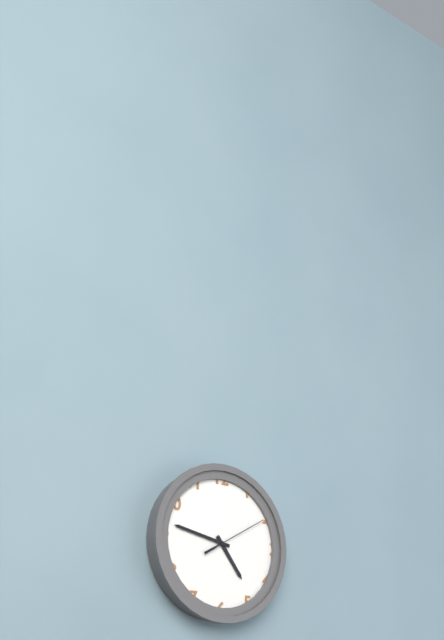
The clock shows 4.47.10
